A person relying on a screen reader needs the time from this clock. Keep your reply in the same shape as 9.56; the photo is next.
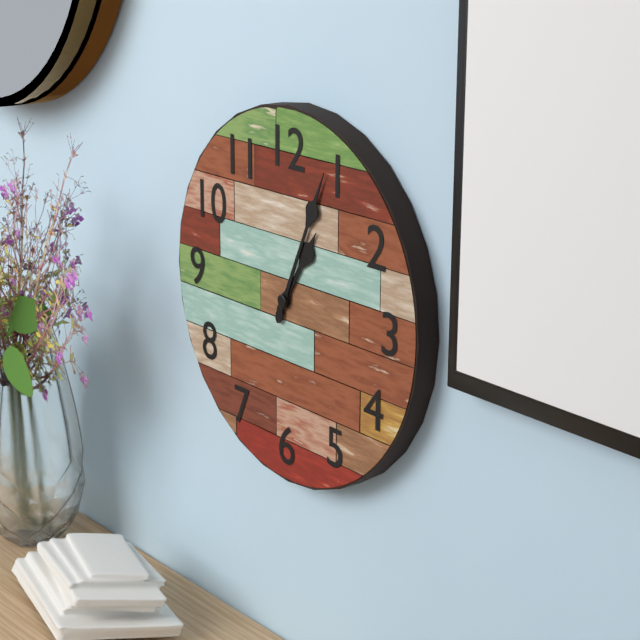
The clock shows 1.04
